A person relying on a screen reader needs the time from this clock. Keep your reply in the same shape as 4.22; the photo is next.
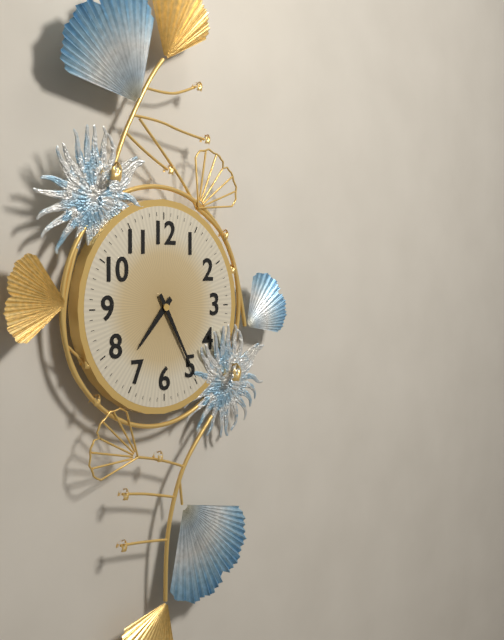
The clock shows 7.25
